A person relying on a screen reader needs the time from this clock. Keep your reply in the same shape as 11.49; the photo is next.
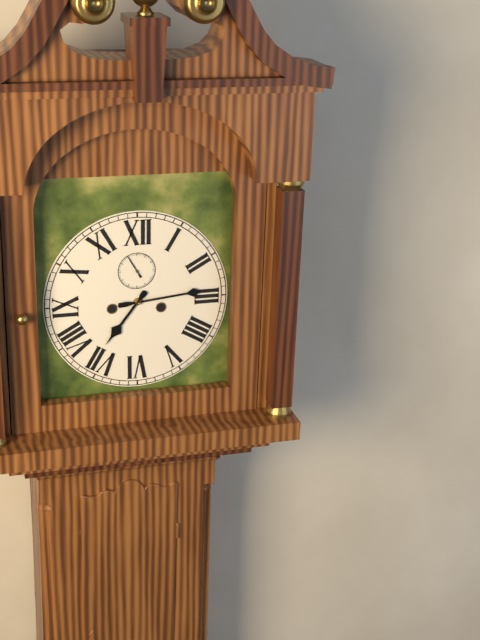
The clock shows 7.14
